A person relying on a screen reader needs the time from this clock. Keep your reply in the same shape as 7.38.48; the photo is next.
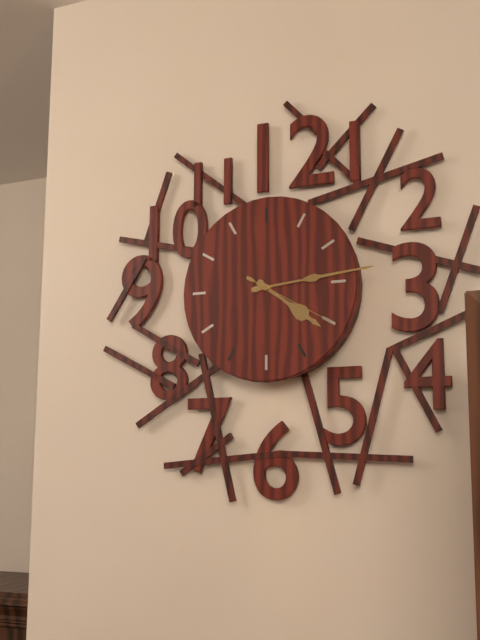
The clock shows 4.14.20
